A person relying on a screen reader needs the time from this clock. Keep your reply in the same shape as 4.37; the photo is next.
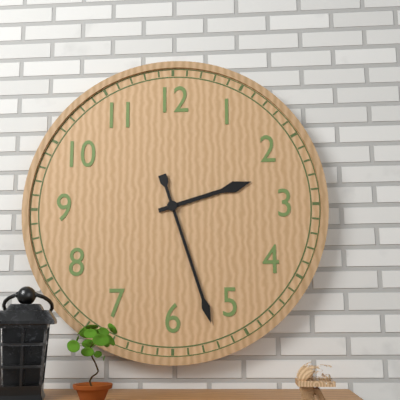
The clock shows 2.27
